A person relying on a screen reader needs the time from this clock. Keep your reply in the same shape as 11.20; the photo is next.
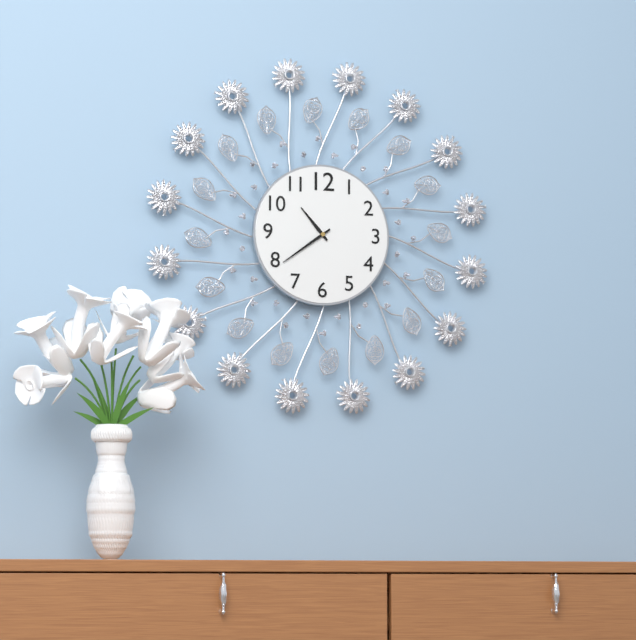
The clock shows 10.39
